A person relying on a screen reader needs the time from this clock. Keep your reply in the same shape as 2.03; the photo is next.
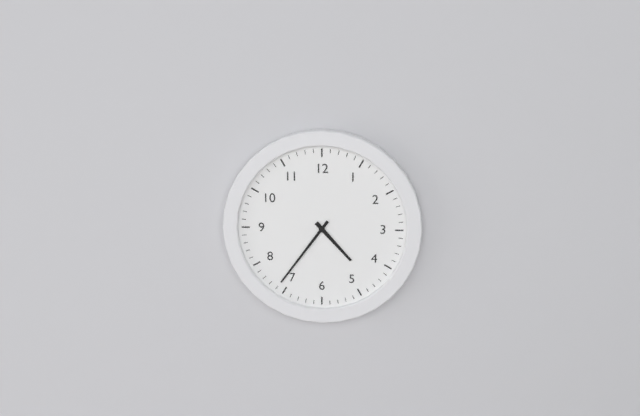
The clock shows 4.36
